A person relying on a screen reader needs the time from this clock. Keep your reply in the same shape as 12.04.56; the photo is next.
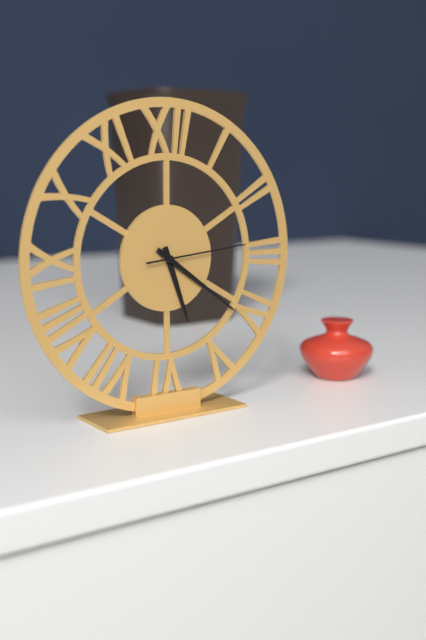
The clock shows 5.21.14
